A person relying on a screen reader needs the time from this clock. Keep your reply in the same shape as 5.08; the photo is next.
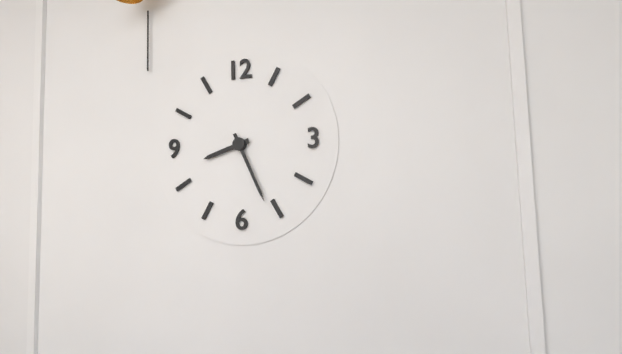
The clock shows 8.26
